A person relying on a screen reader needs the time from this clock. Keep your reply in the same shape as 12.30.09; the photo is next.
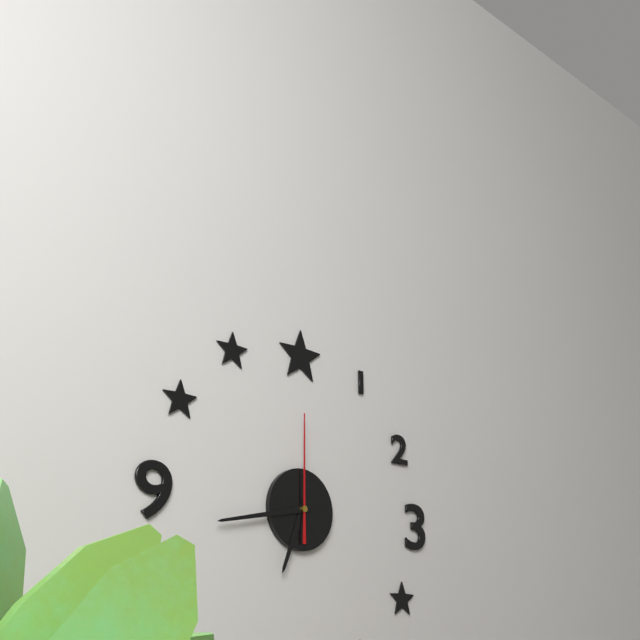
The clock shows 6.43.00
